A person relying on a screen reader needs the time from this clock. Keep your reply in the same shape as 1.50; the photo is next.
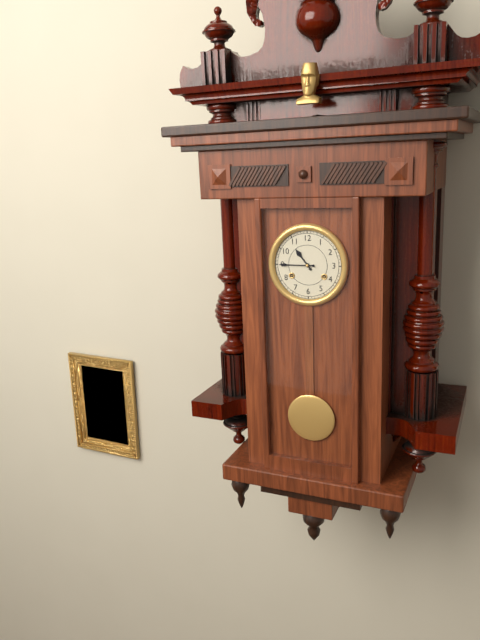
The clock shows 10.45
